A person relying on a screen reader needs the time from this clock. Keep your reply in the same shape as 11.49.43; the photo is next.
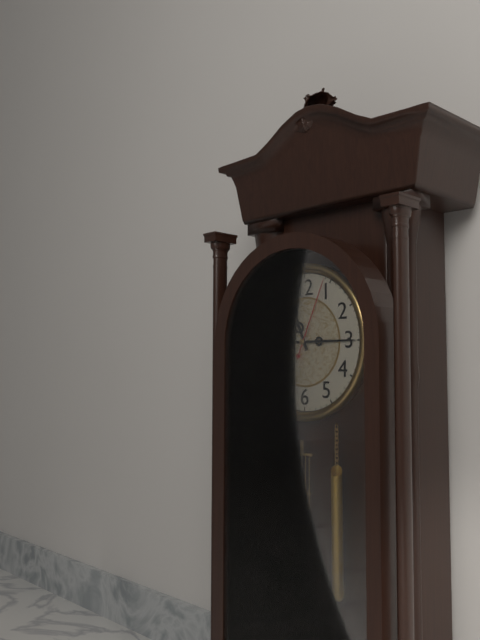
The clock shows 11.15.04
